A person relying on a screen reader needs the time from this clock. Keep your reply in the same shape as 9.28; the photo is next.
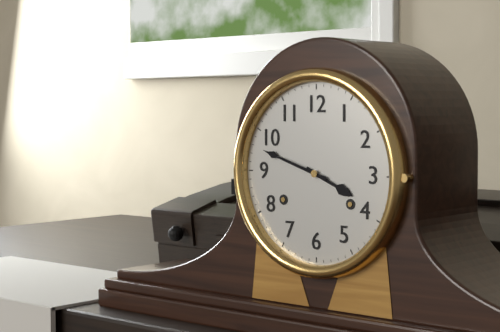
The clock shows 3.48
